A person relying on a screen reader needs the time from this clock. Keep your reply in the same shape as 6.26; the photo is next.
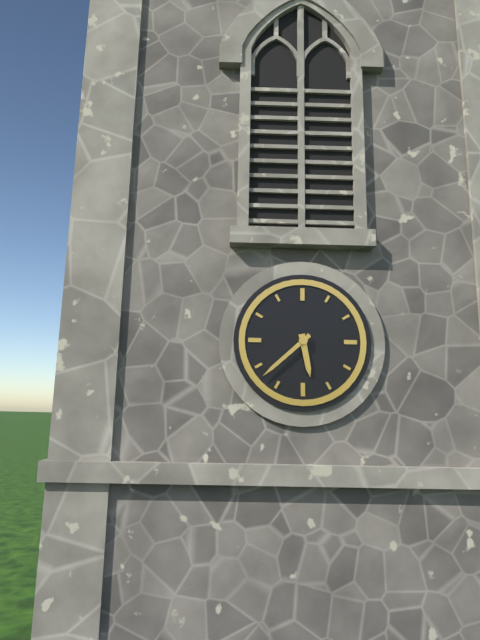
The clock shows 5.38
